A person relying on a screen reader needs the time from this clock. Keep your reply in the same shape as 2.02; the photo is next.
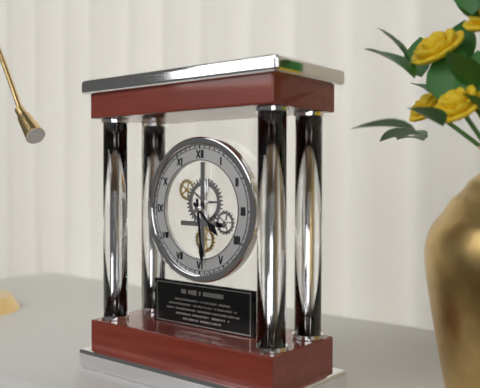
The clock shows 4.29
